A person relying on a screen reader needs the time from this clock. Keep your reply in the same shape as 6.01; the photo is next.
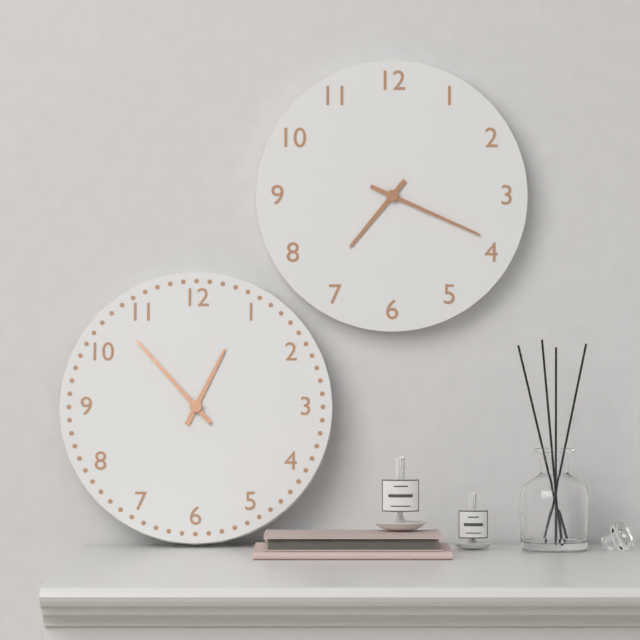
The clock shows 7.19
